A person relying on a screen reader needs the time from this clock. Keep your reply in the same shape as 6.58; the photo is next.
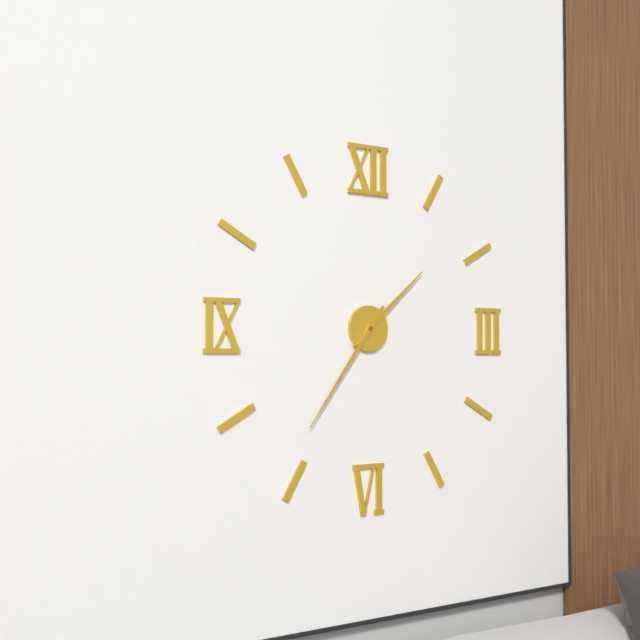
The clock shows 1.36
